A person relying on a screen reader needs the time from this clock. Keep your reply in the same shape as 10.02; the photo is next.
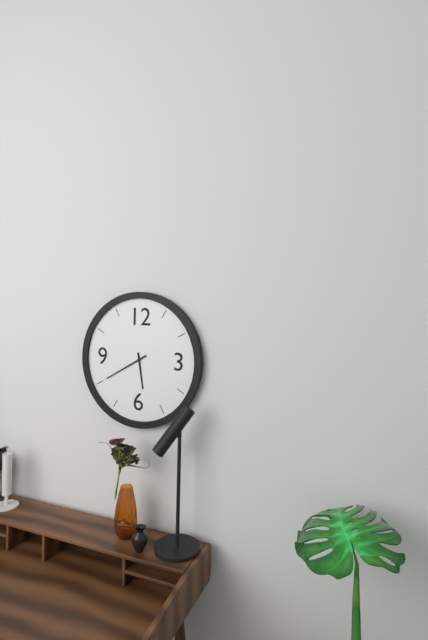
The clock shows 5.40
